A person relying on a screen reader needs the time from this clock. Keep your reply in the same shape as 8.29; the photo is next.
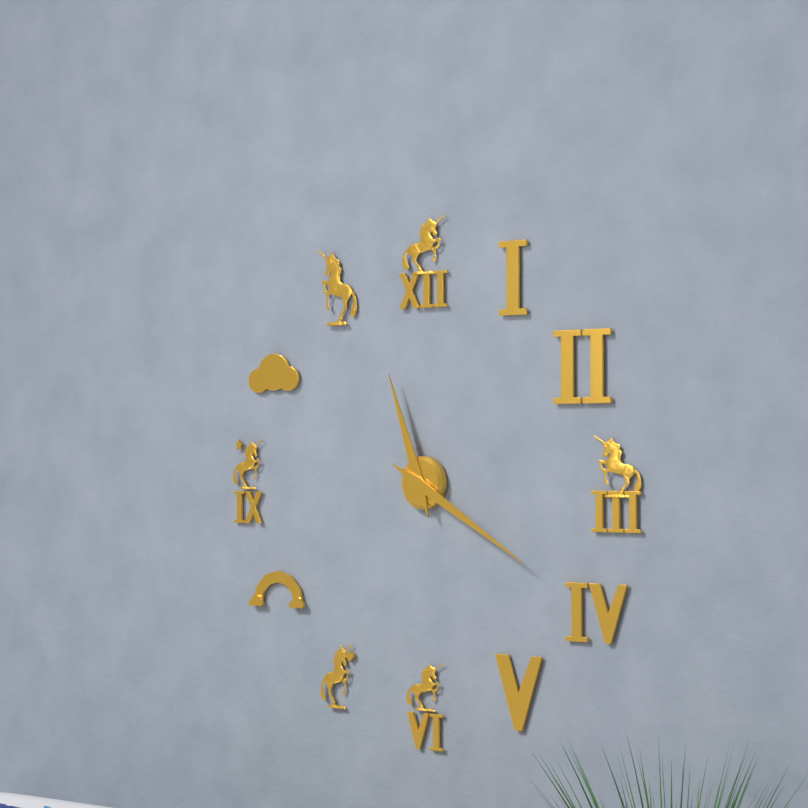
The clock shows 11.20
